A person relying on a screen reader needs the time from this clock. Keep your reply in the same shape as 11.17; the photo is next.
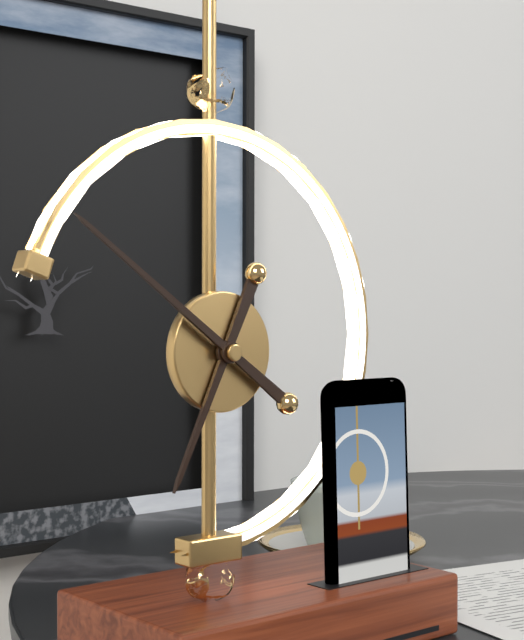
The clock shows 6.51
